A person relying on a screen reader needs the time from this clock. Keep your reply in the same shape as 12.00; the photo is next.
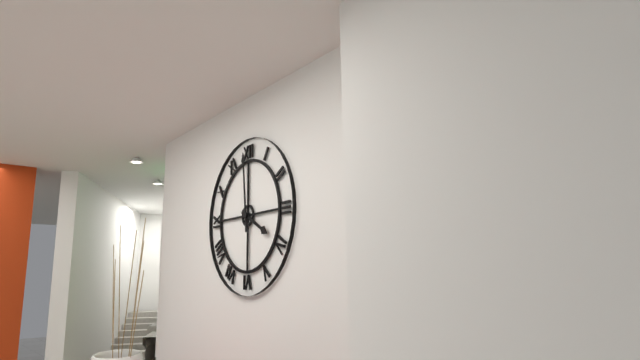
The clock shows 3.59
